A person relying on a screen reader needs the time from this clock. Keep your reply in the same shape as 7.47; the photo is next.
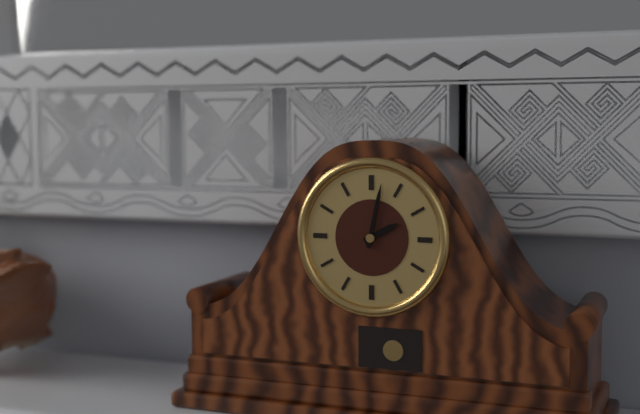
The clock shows 2.02
